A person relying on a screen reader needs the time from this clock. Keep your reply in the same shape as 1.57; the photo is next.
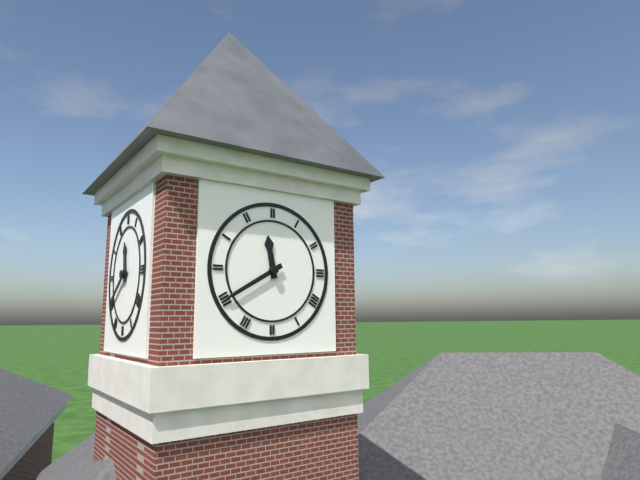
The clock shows 11.40
